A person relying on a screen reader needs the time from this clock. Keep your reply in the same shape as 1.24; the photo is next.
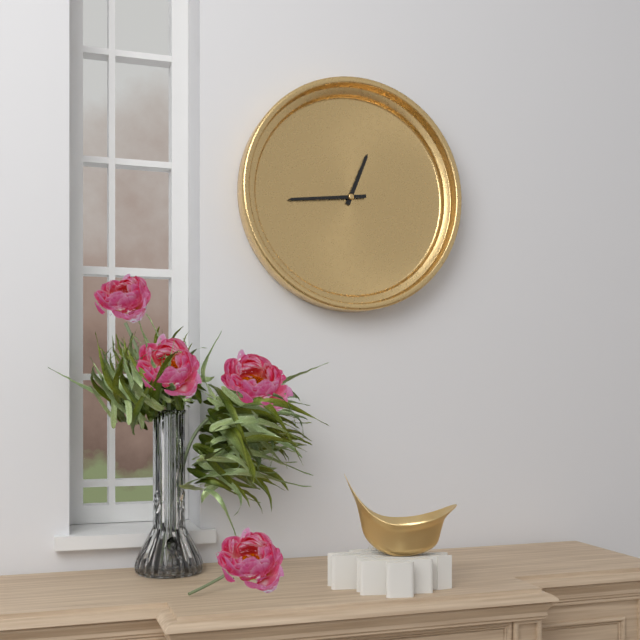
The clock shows 12.44
